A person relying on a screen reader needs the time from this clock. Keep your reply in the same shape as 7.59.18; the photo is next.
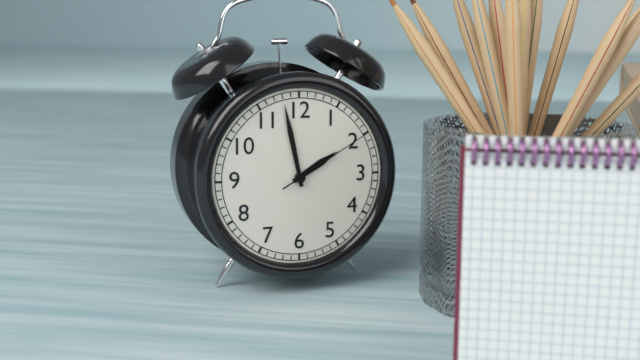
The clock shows 1.58.10
